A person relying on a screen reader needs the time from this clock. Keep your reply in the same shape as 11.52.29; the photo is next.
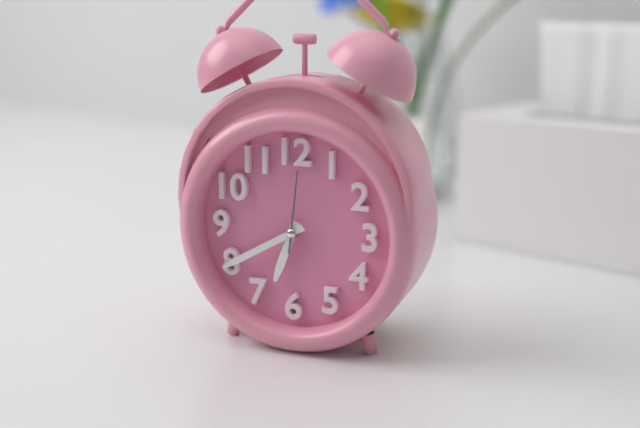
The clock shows 6.40.01
